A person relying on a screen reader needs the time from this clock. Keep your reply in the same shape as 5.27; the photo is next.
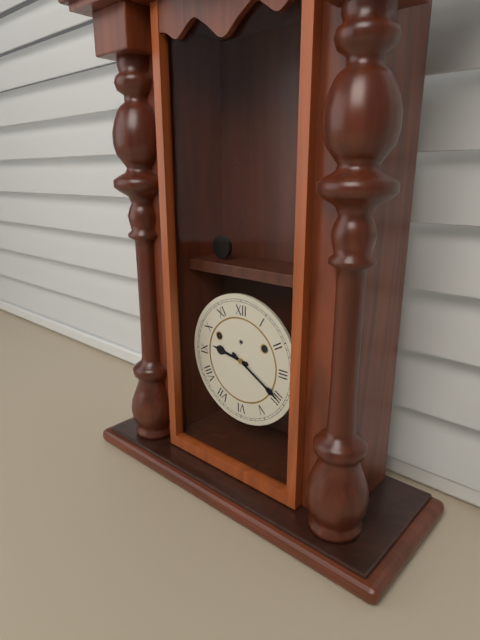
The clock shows 9.20
